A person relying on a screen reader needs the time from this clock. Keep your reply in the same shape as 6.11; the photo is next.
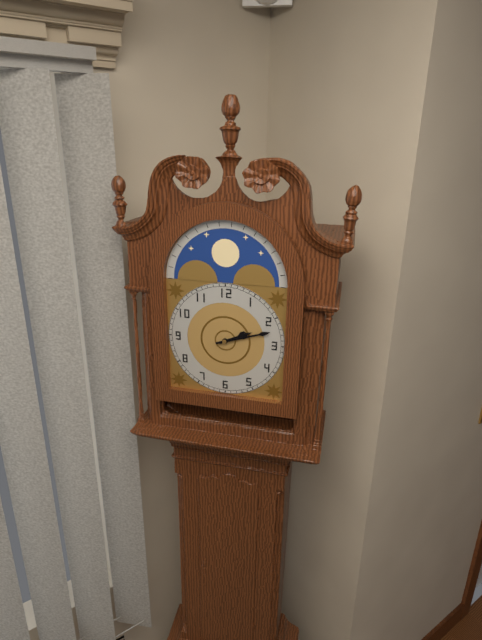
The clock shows 2.12
